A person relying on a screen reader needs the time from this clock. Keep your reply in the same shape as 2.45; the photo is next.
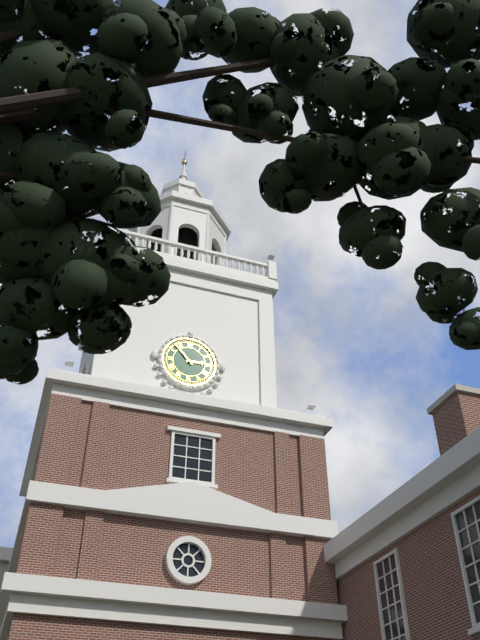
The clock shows 2.53
